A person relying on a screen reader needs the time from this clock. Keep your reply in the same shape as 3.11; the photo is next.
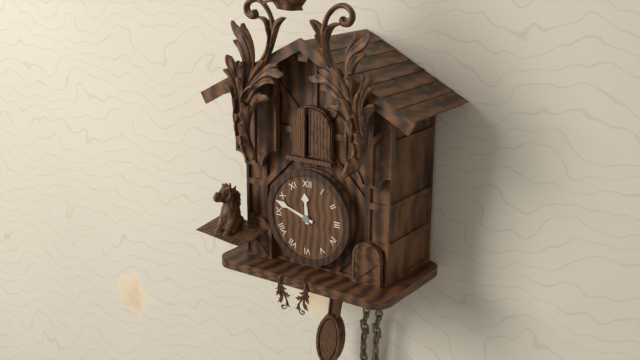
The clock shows 11.48
